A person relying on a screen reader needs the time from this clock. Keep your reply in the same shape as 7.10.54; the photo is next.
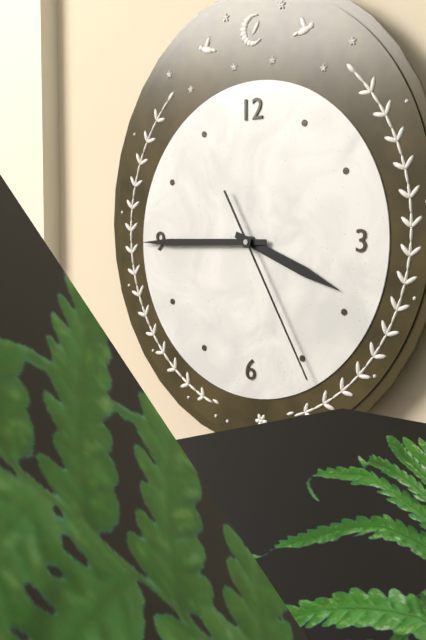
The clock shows 3.45.25
